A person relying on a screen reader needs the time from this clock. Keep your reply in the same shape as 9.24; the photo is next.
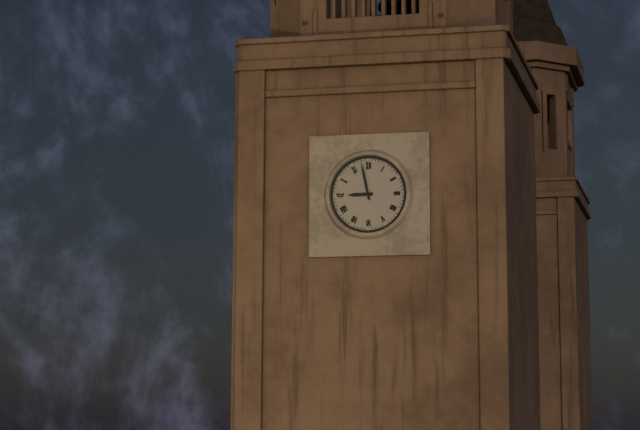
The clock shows 8.58
